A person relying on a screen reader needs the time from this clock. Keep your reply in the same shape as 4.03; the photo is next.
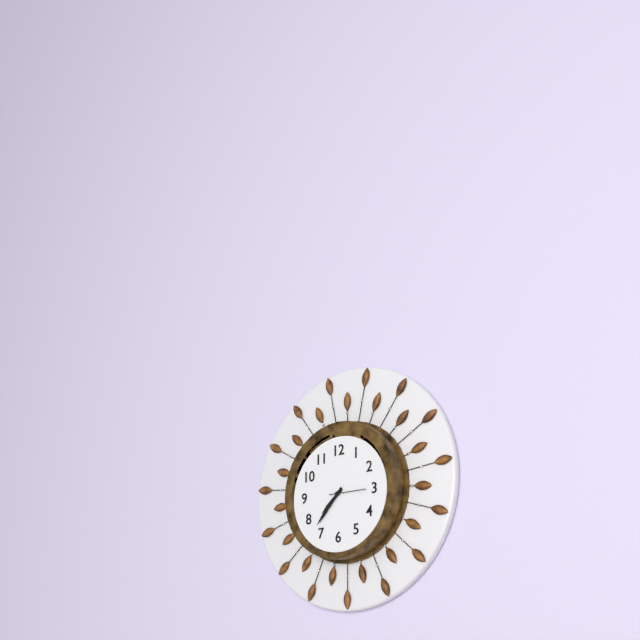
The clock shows 7.37
